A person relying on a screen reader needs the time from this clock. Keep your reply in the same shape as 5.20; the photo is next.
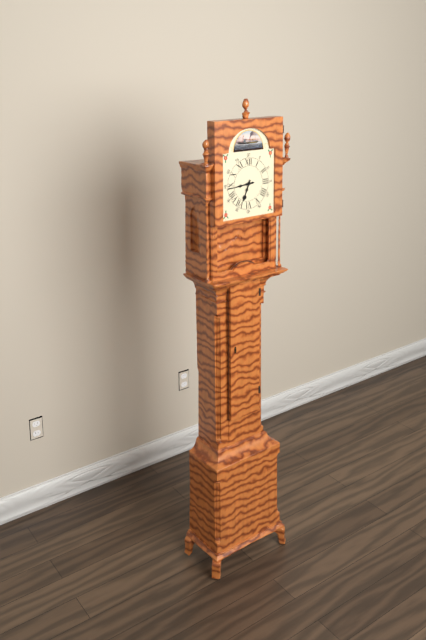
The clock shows 6.44
